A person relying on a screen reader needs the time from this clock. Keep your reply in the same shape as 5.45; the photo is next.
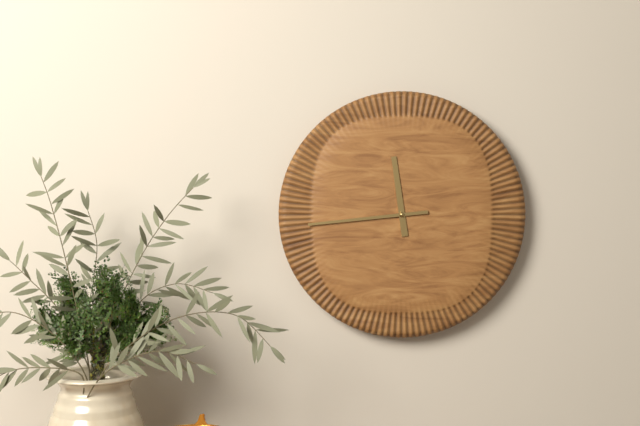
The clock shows 11.44
